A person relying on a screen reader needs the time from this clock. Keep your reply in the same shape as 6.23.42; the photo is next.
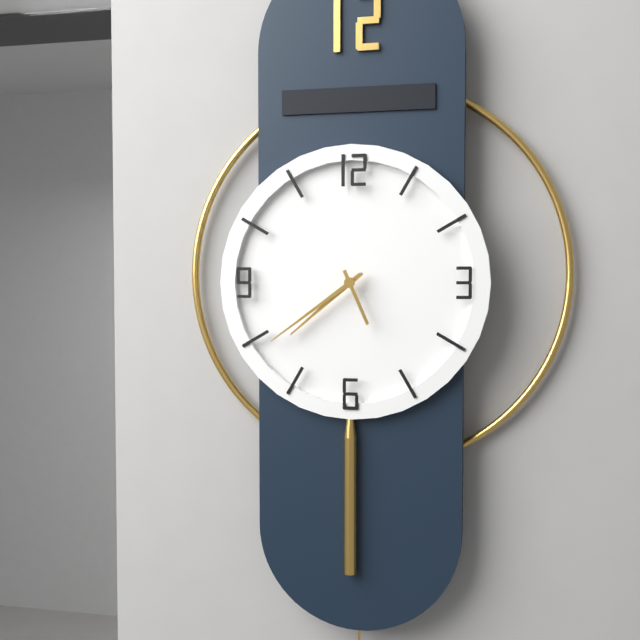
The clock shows 7.39.26
